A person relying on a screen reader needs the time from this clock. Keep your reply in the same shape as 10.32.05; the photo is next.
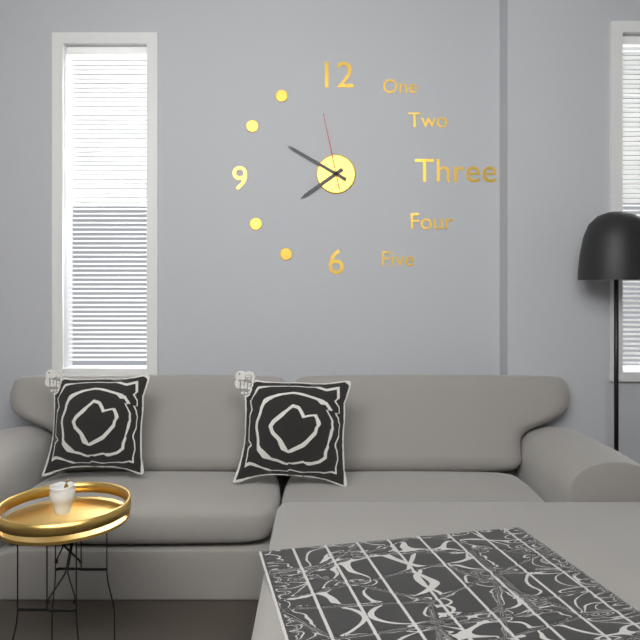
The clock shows 7.50.58
